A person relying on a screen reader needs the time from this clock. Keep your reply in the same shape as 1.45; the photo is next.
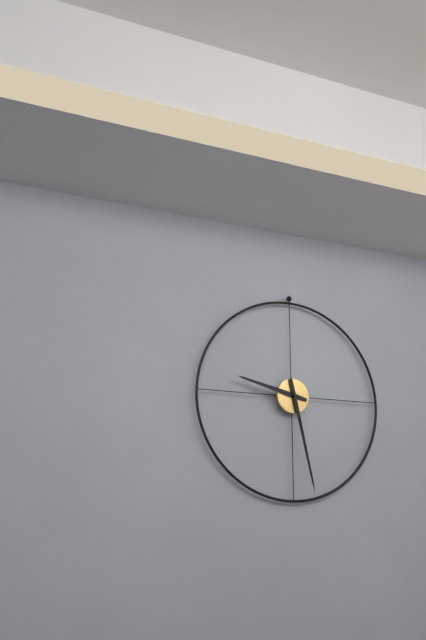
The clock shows 9.28
